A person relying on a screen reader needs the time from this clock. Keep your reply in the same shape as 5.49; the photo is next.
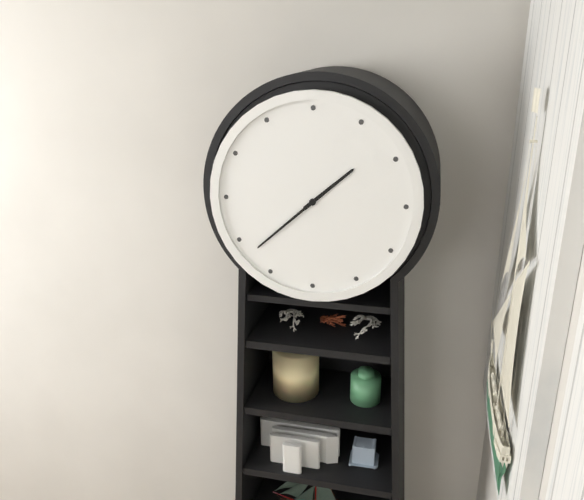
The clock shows 1.38
